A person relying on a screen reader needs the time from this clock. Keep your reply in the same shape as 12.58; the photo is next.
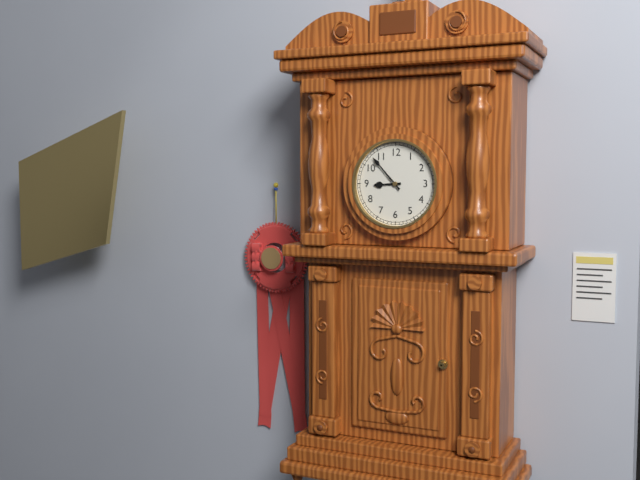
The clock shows 8.53
